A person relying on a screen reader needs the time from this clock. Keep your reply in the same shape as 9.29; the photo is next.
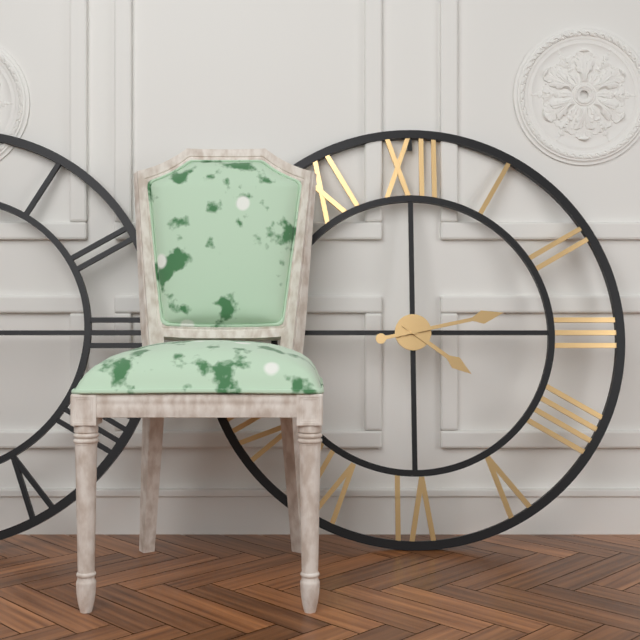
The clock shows 4.13
